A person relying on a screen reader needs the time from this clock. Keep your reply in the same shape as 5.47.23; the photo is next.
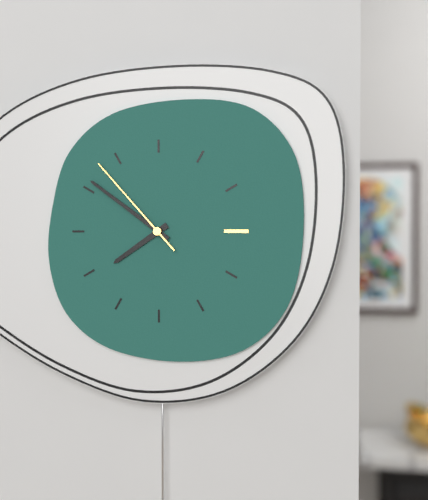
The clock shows 7.51.53
